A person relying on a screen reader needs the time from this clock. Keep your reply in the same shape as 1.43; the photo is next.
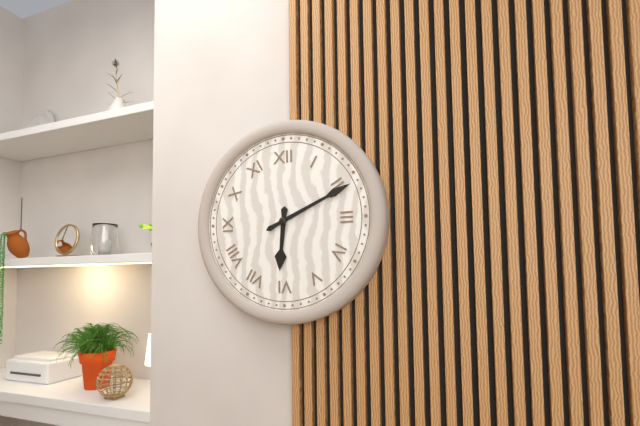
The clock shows 6.11
